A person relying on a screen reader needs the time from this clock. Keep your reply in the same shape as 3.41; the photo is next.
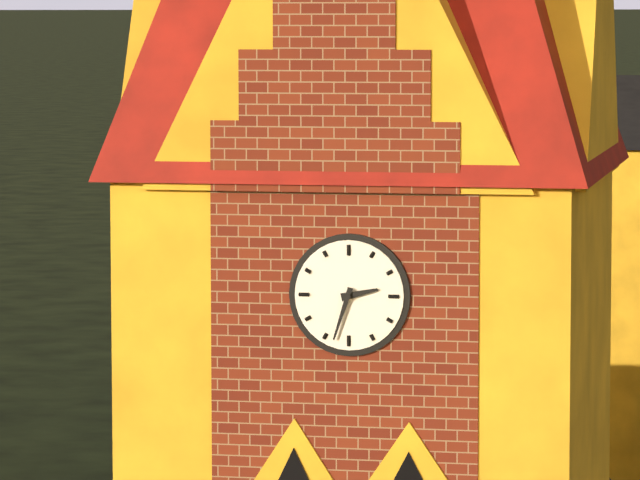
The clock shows 2.33
